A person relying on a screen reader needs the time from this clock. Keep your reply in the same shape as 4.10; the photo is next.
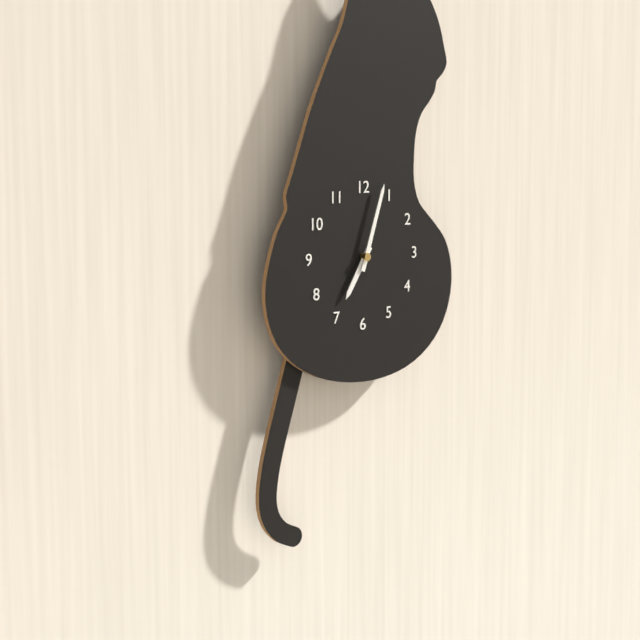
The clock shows 7.03
